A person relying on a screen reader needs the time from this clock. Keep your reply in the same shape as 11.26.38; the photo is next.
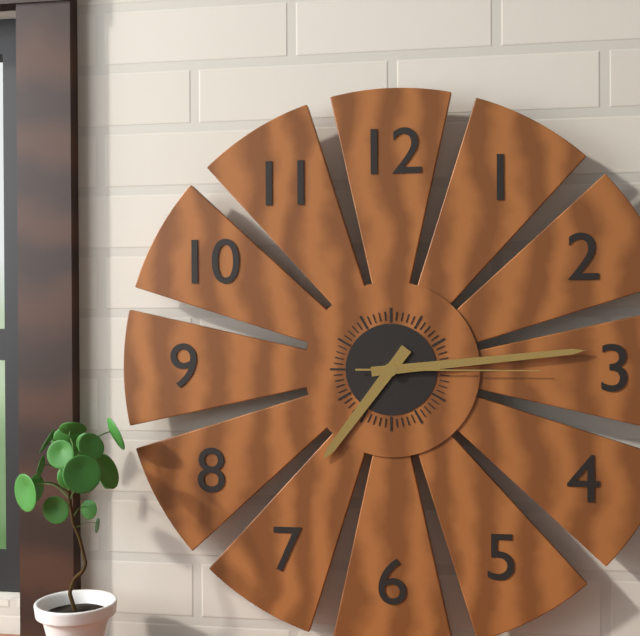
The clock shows 7.14.15
